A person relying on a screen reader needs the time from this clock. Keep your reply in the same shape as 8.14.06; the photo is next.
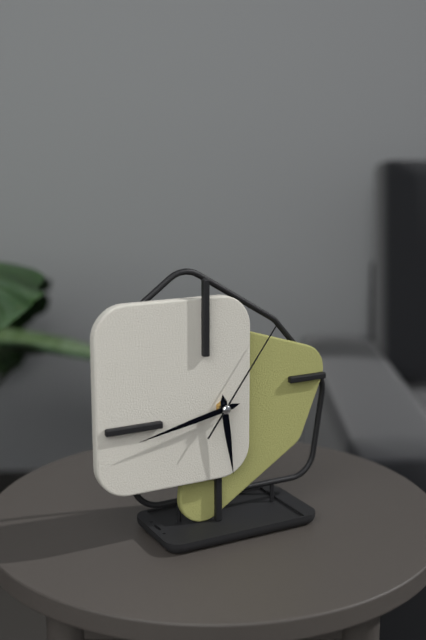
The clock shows 5.43.06
